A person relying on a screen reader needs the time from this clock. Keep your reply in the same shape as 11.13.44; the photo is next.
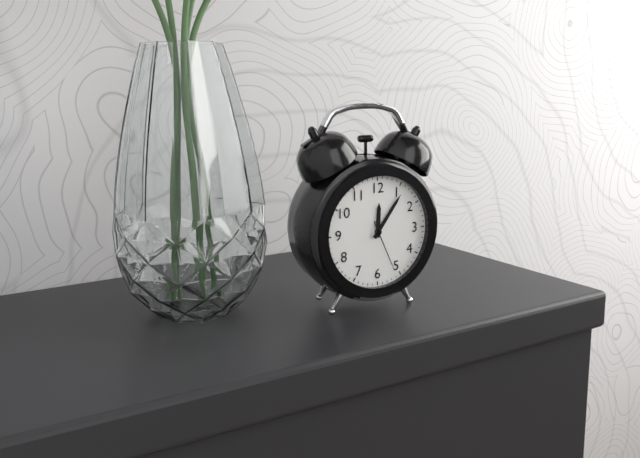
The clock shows 12.06.26
